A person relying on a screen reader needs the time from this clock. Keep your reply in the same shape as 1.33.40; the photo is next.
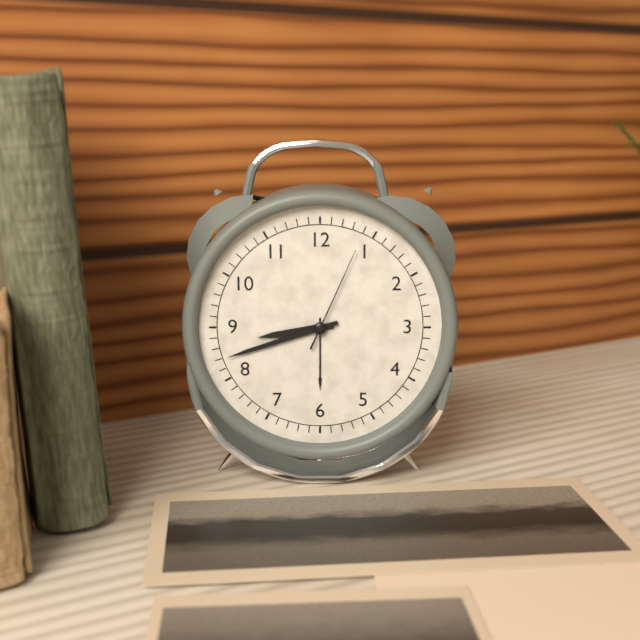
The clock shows 8.42.04
